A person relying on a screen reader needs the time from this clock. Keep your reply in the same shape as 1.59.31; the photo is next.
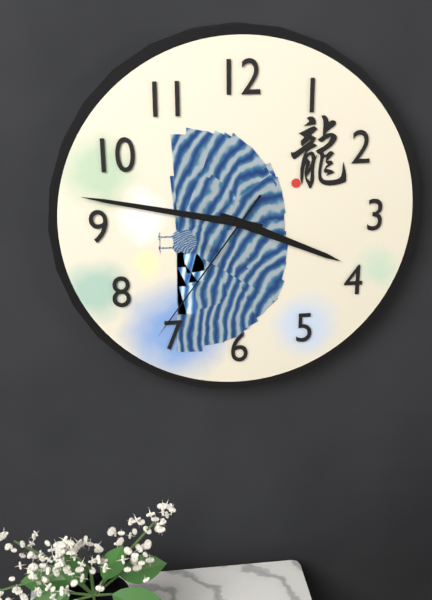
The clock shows 3.47.36
